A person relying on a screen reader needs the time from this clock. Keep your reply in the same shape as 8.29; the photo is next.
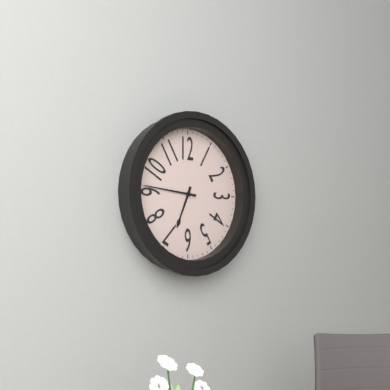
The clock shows 6.46
